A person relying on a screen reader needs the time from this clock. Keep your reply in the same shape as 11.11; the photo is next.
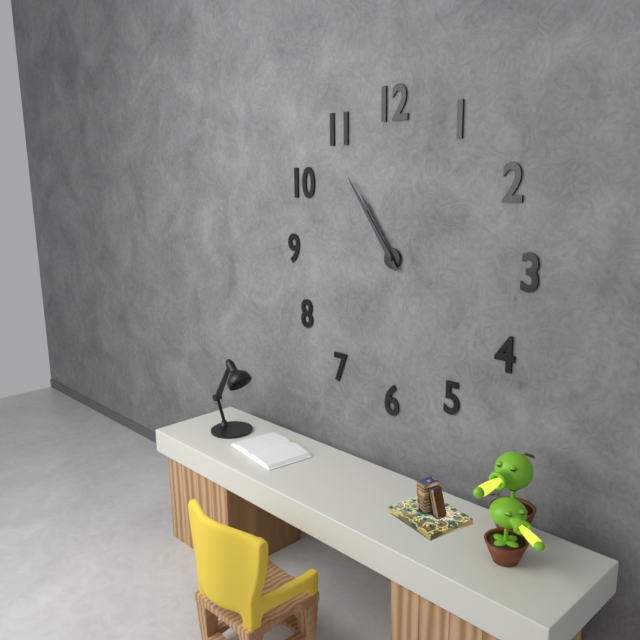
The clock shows 10.54
